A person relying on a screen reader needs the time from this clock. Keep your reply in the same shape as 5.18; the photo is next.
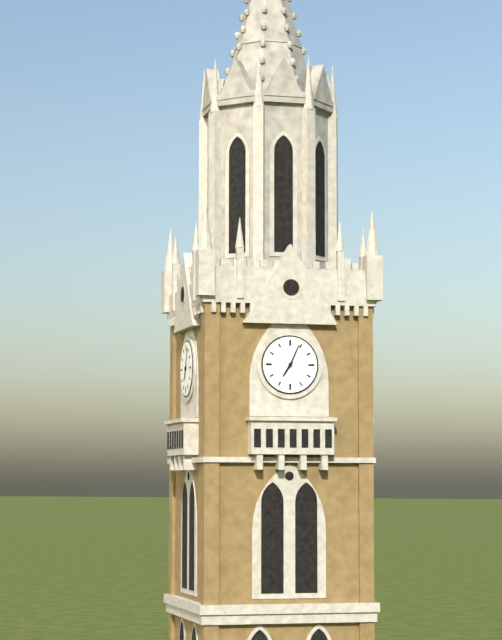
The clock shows 7.04
